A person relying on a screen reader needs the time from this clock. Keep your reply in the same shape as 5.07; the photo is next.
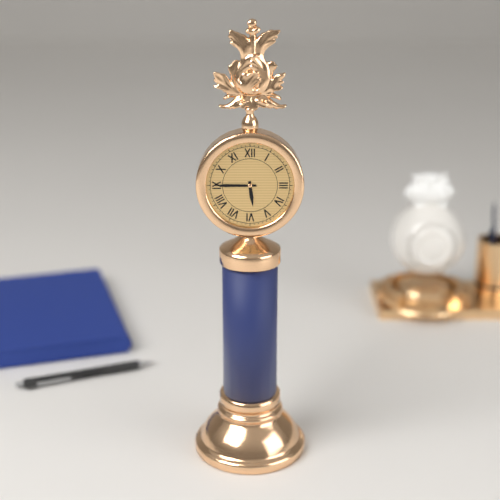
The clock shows 5.45
